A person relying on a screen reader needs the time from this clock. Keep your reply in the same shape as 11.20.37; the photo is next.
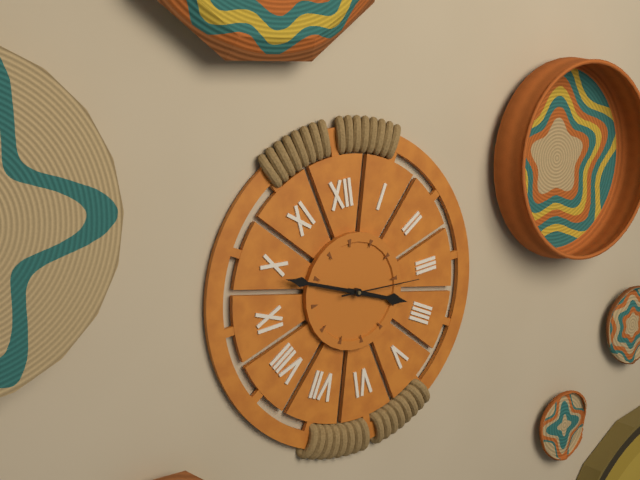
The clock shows 3.49.16
